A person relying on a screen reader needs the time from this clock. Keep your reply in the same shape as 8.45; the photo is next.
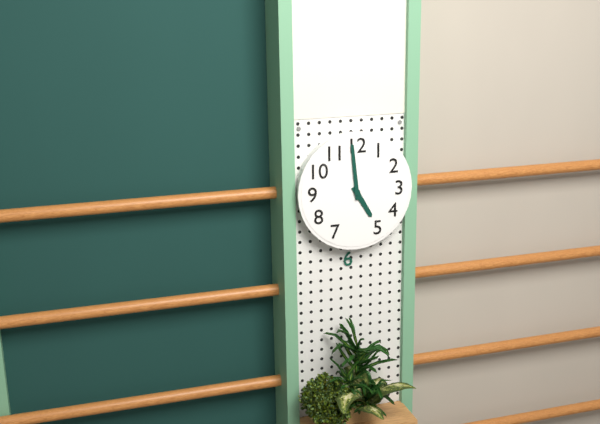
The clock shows 4.59
